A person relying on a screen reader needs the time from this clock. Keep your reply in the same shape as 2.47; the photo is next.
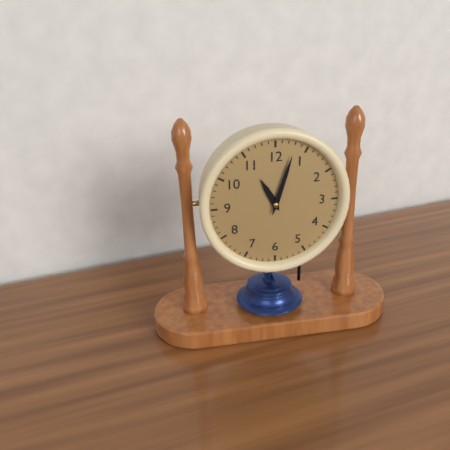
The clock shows 11.03
